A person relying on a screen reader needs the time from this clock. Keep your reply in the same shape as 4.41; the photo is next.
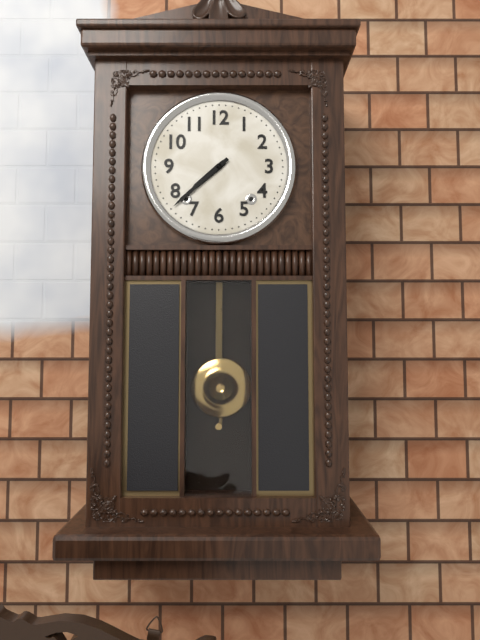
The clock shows 7.38
